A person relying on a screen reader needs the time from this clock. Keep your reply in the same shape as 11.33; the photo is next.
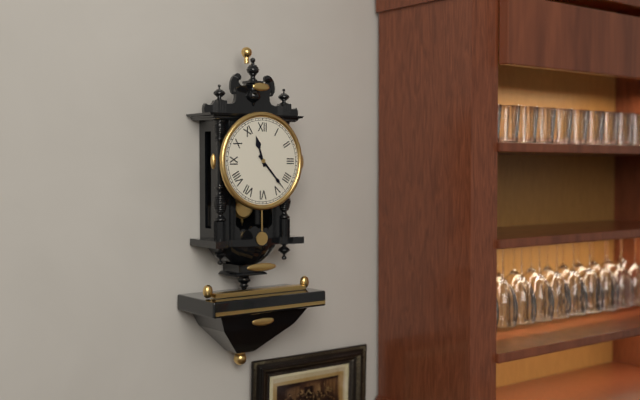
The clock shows 11.23
